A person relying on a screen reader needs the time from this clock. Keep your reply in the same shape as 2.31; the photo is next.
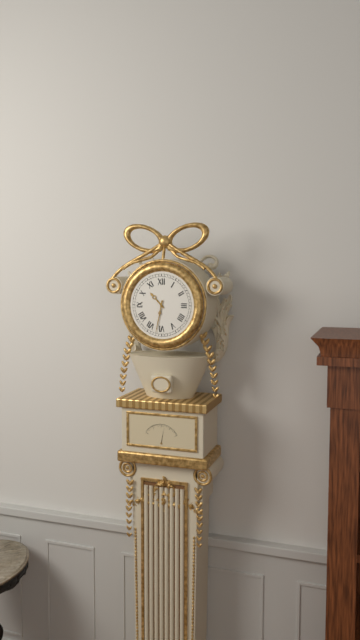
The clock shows 10.32
